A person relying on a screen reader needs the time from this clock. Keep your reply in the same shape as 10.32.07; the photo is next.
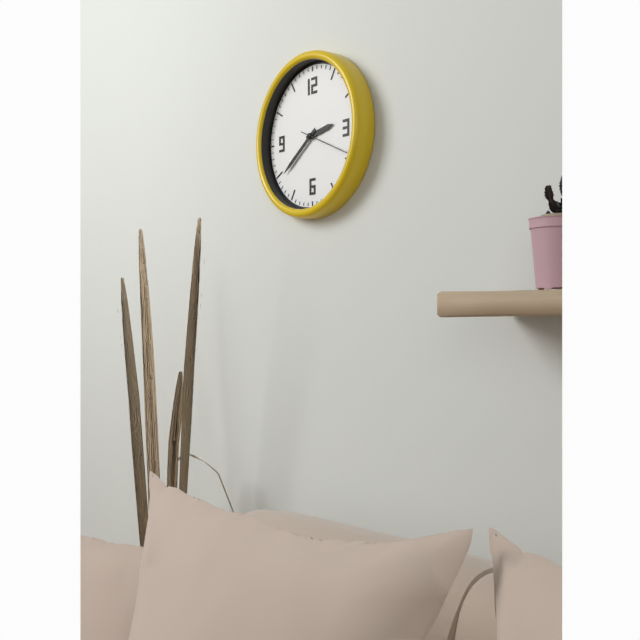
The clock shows 2.39.19
